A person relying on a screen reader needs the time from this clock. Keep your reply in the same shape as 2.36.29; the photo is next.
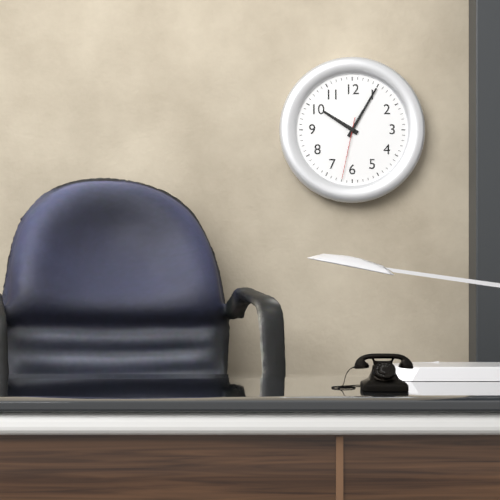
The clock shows 10.05.32
